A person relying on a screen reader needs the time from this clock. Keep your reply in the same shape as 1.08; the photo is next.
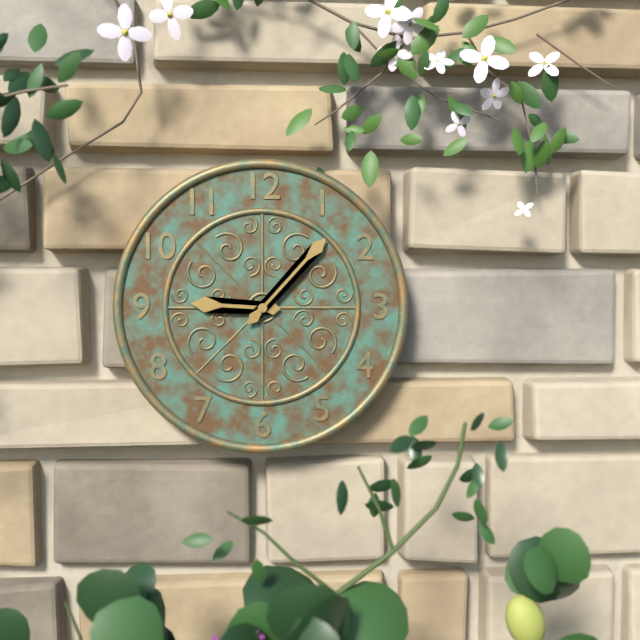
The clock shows 9.07
